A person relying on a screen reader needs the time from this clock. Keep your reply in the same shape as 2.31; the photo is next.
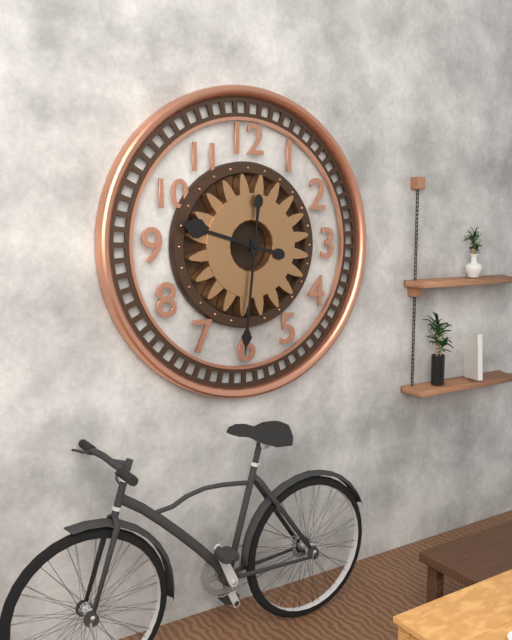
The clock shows 9.31
